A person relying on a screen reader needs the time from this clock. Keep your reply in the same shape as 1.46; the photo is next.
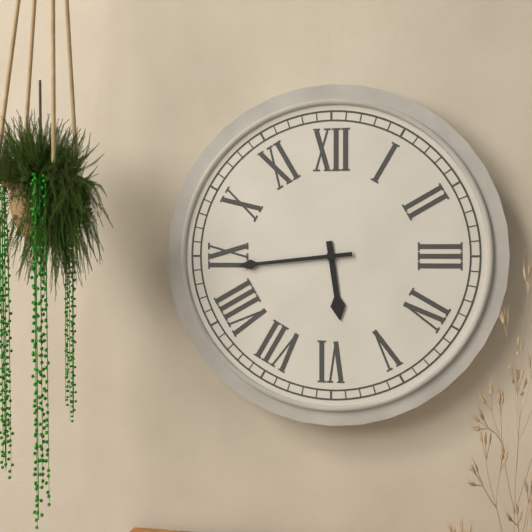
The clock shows 5.44
